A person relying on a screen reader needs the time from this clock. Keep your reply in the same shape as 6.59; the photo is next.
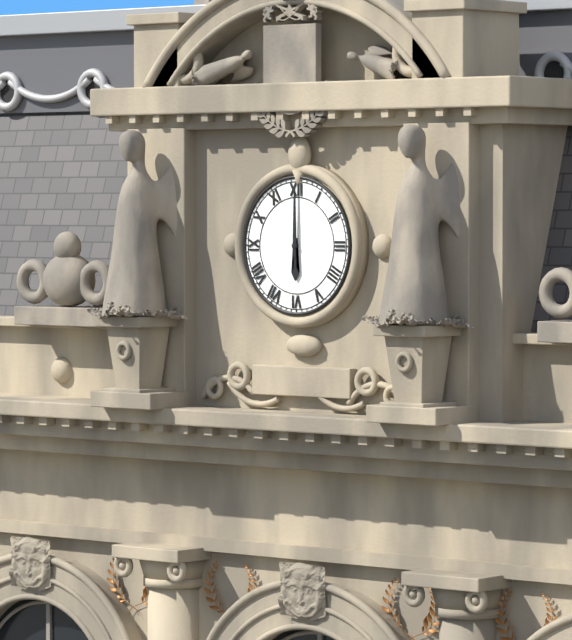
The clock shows 6.00
